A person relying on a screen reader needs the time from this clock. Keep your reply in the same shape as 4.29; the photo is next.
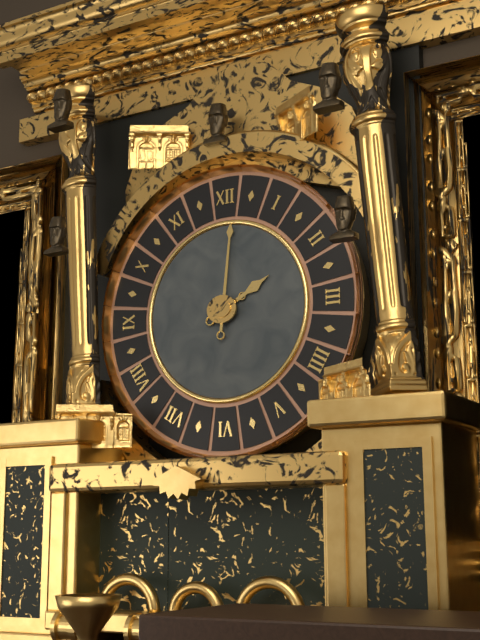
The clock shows 2.01
